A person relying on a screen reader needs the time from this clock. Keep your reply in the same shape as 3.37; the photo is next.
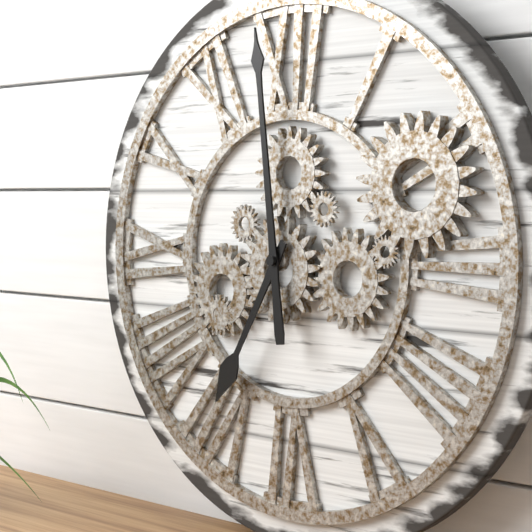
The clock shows 6.59
